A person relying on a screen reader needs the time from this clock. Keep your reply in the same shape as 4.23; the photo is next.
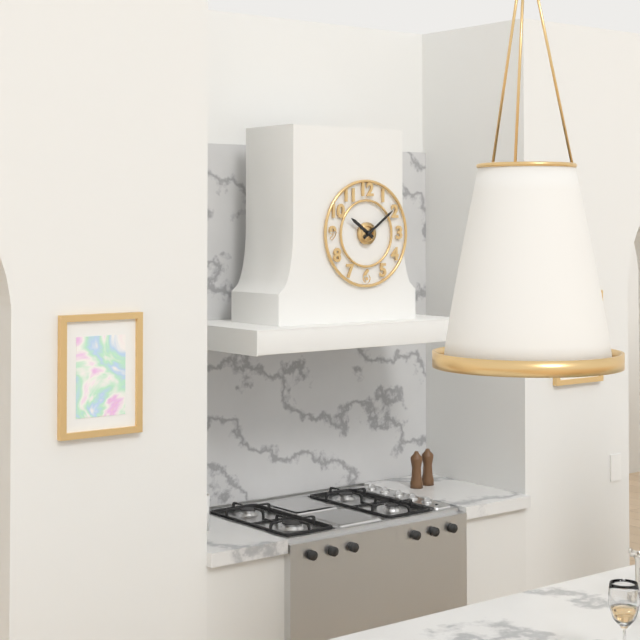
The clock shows 10.09
